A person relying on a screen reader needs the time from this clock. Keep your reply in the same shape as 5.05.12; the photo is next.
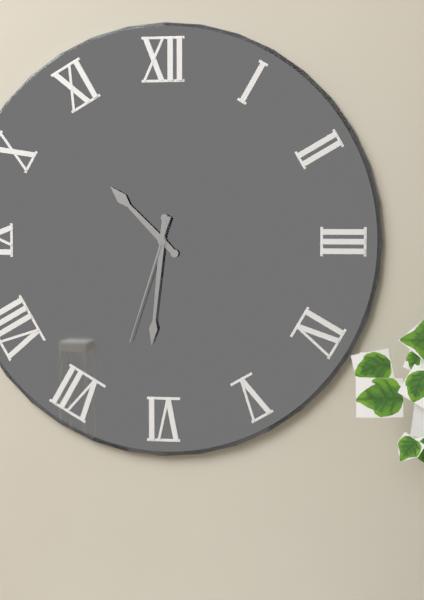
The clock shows 10.31.33
